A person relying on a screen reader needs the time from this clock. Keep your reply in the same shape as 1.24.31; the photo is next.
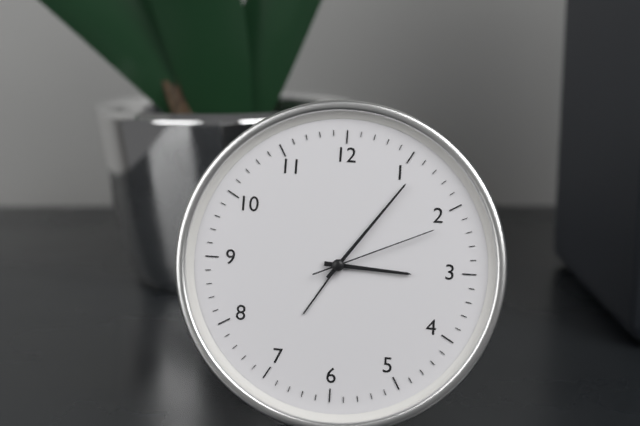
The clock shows 3.06.11
